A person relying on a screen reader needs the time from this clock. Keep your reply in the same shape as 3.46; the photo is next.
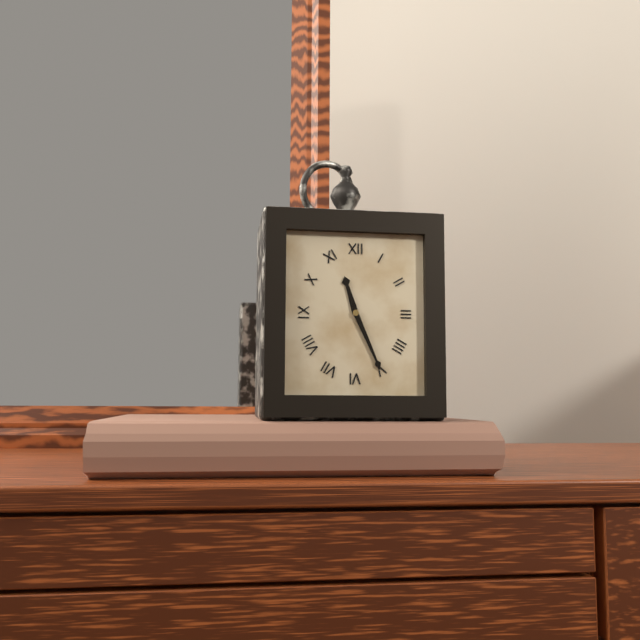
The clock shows 11.26
